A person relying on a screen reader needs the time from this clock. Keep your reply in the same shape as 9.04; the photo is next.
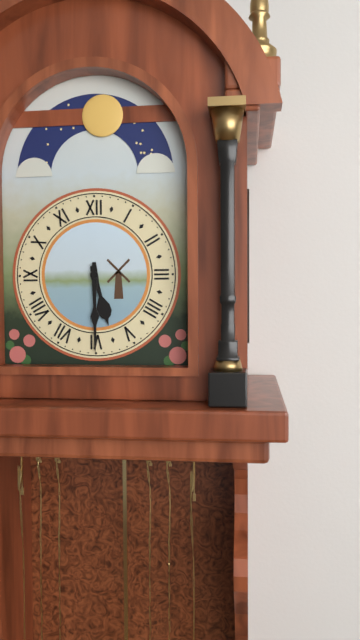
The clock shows 5.30
